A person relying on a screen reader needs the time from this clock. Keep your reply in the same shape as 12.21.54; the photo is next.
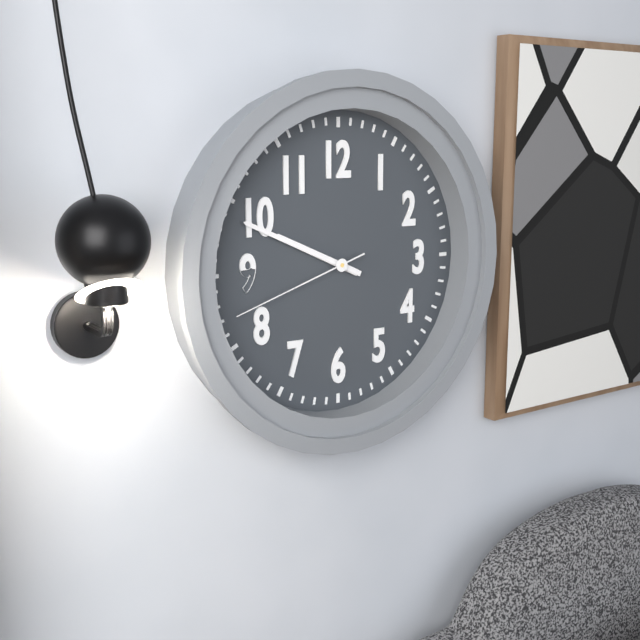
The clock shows 9.49.42
